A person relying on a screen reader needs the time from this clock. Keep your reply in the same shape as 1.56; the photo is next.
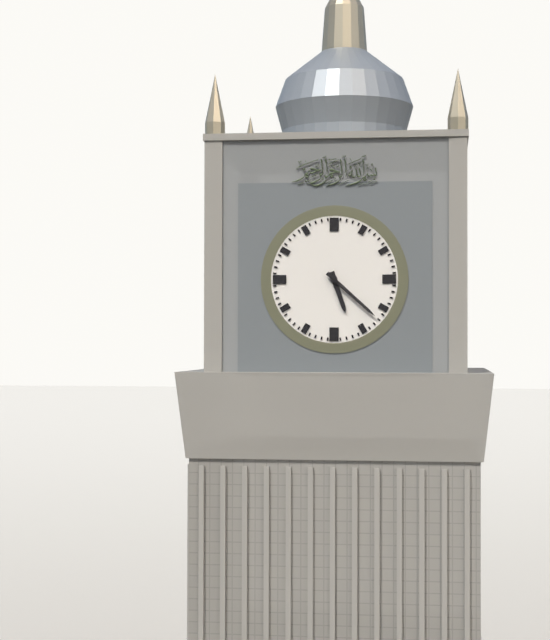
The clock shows 5.22
